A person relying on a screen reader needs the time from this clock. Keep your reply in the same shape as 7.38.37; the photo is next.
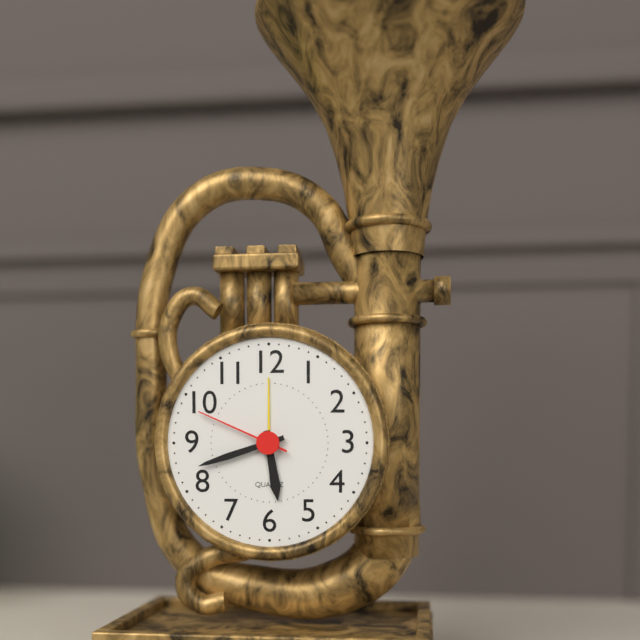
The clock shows 5.42.49
